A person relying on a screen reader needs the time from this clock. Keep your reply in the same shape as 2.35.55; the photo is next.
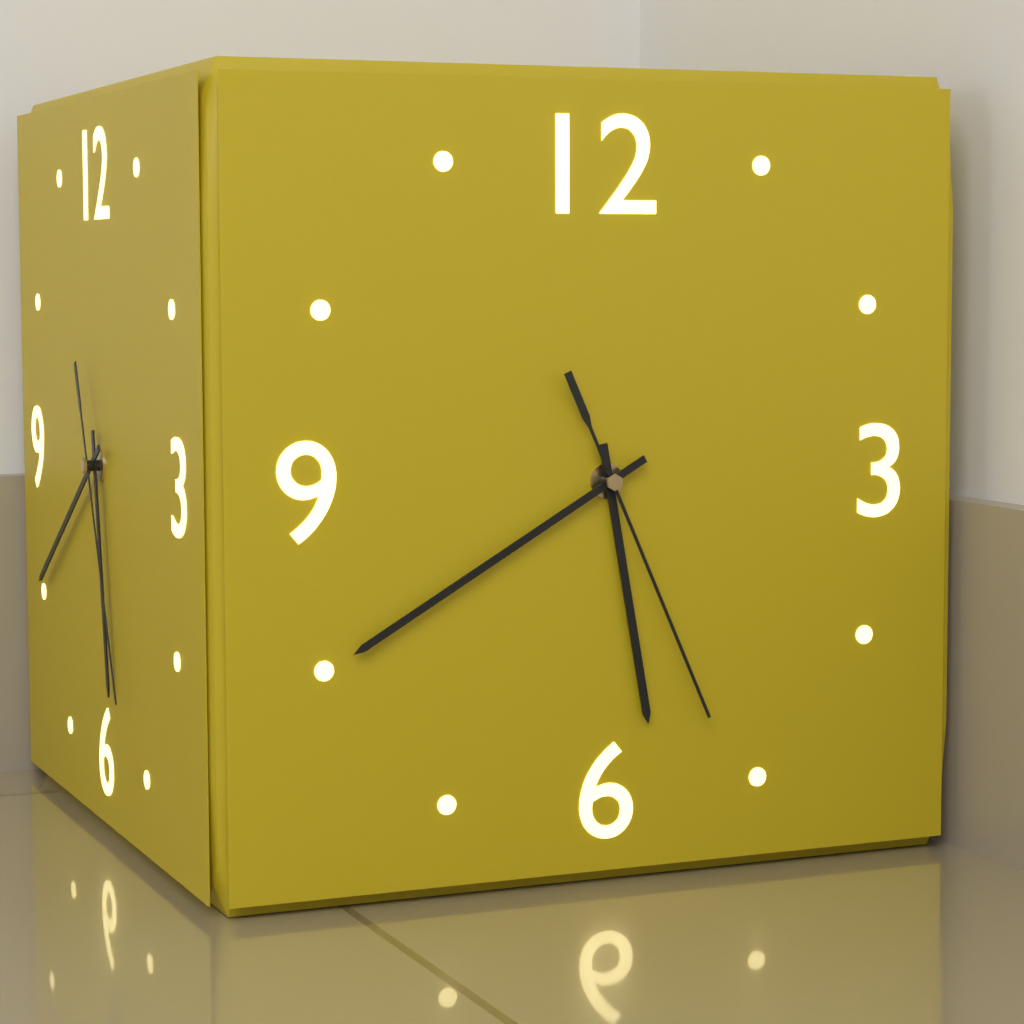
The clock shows 5.40.26
